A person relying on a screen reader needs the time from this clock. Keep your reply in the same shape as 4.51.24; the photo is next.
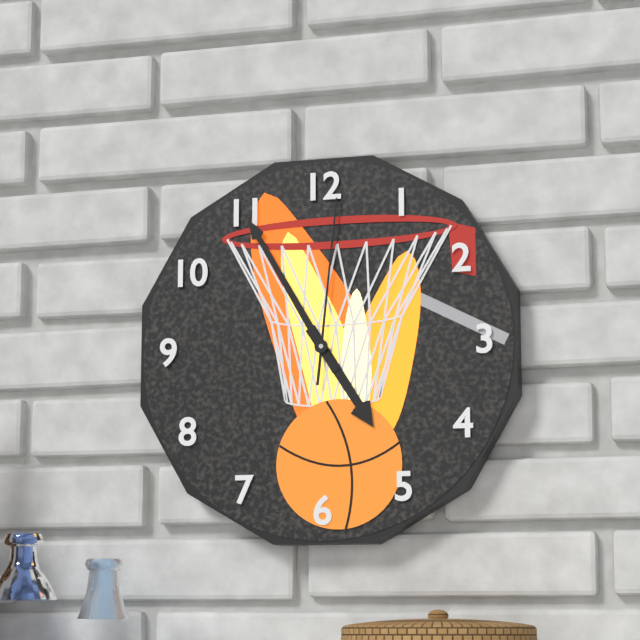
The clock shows 4.55.01
